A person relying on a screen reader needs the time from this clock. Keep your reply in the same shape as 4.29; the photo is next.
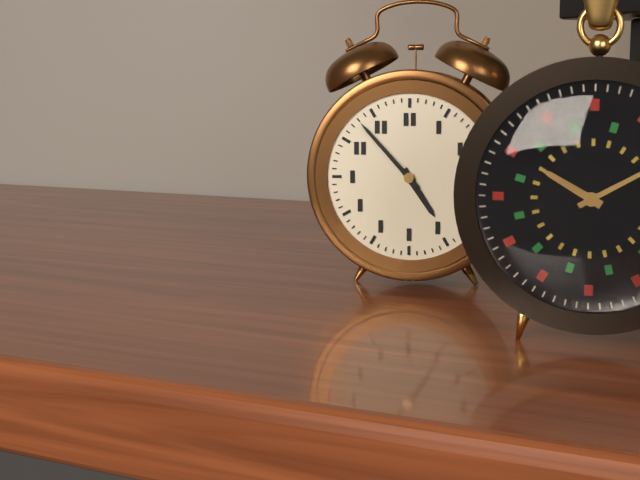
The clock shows 4.53
